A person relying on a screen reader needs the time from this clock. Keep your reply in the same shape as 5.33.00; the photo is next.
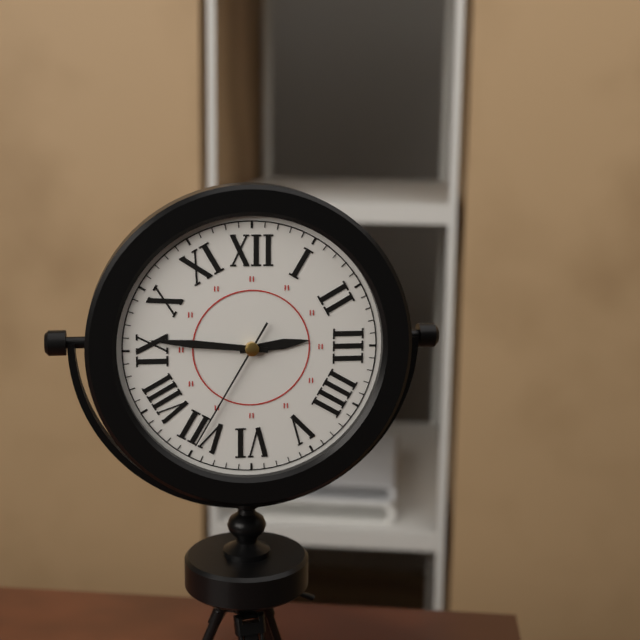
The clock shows 2.46.35
